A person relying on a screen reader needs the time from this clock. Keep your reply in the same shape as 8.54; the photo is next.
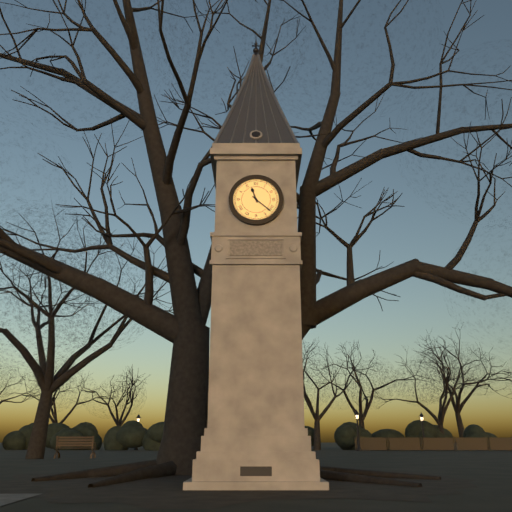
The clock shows 11.22
